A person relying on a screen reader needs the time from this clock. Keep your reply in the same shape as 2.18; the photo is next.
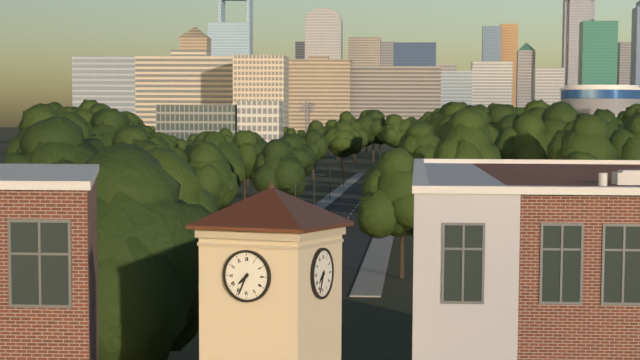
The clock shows 7.34
